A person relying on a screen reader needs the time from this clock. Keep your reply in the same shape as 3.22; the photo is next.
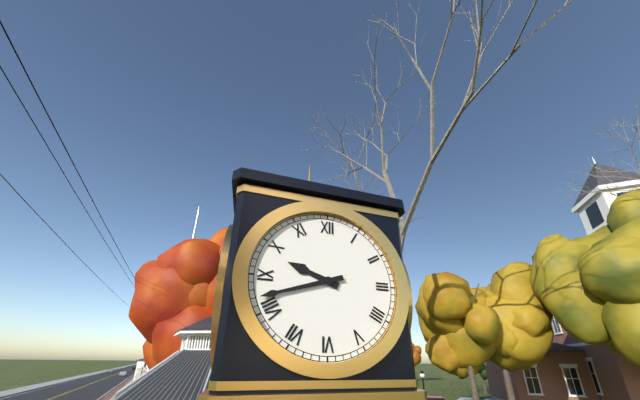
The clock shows 9.42
